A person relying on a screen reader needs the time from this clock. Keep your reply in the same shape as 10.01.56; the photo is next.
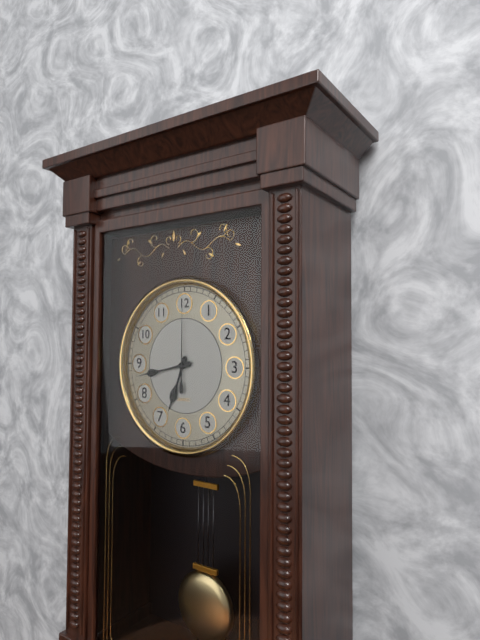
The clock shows 6.43.00
